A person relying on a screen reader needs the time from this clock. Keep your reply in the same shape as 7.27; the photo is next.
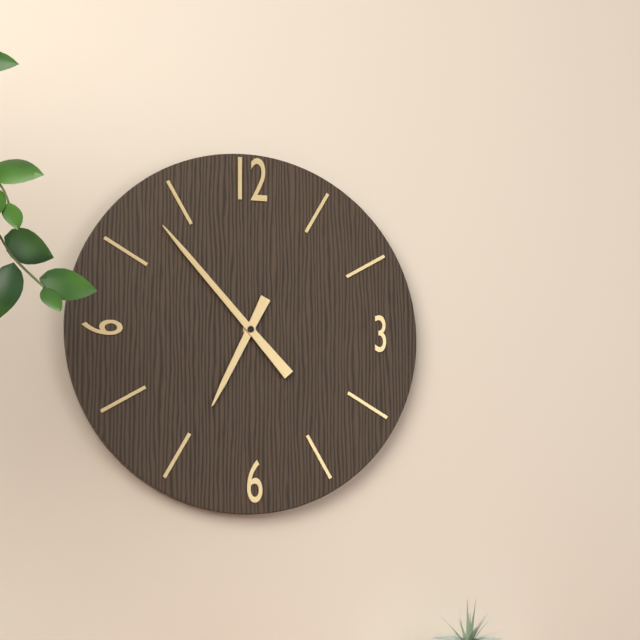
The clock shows 6.53
